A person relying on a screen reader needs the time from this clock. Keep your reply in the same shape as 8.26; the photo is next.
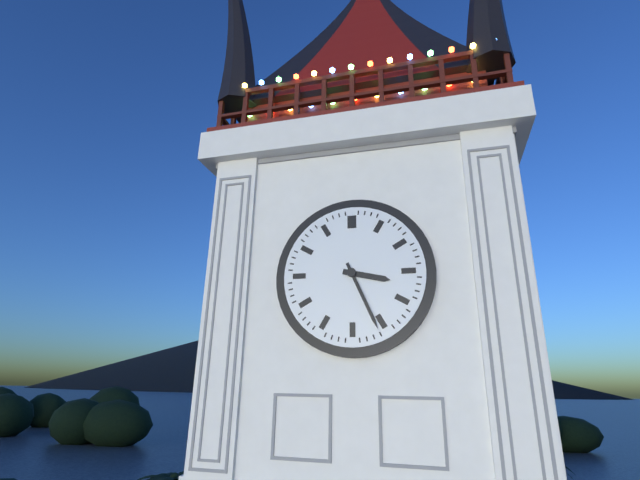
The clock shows 3.26
